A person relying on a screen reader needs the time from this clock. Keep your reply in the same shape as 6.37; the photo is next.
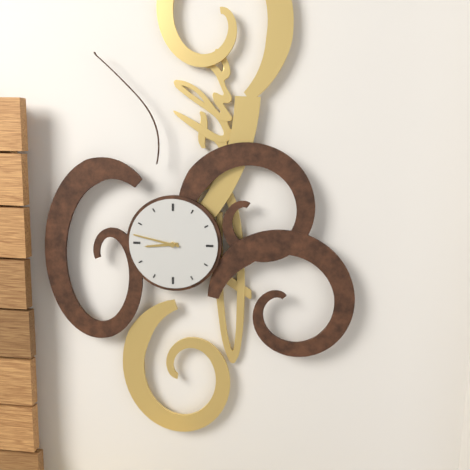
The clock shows 8.47
